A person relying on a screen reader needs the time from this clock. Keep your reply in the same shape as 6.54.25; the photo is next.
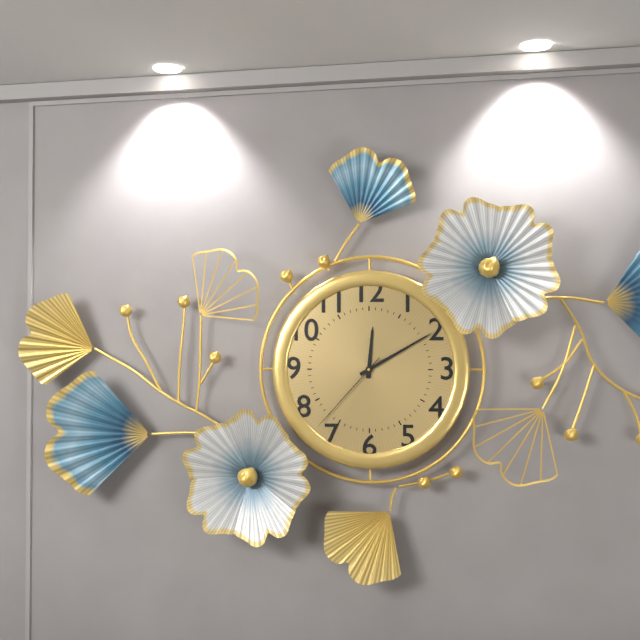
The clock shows 12.10.37
